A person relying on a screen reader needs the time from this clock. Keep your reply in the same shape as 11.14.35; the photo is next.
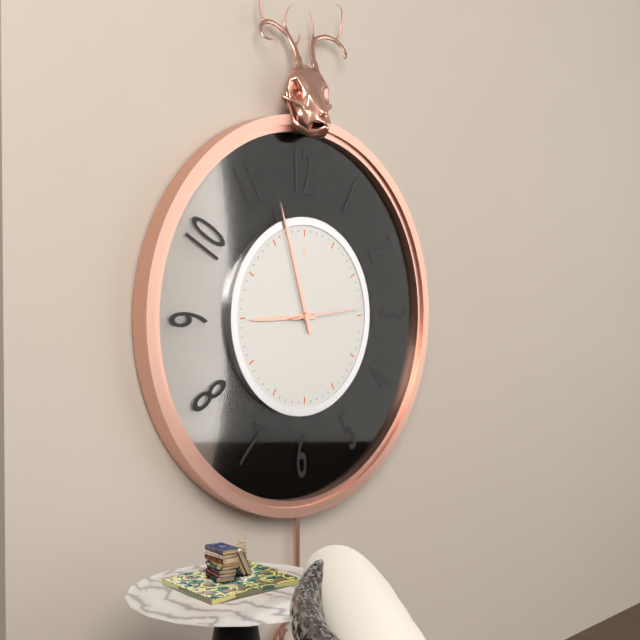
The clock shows 8.57.14
